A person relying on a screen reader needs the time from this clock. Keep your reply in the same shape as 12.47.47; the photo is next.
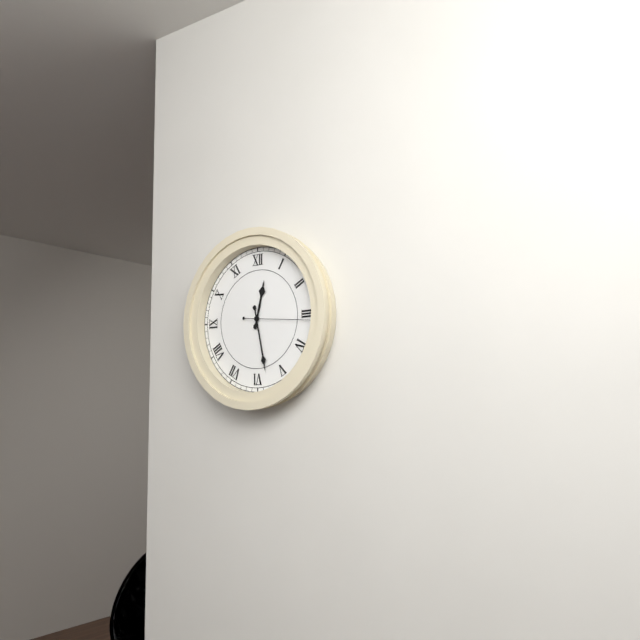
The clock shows 12.28.16
